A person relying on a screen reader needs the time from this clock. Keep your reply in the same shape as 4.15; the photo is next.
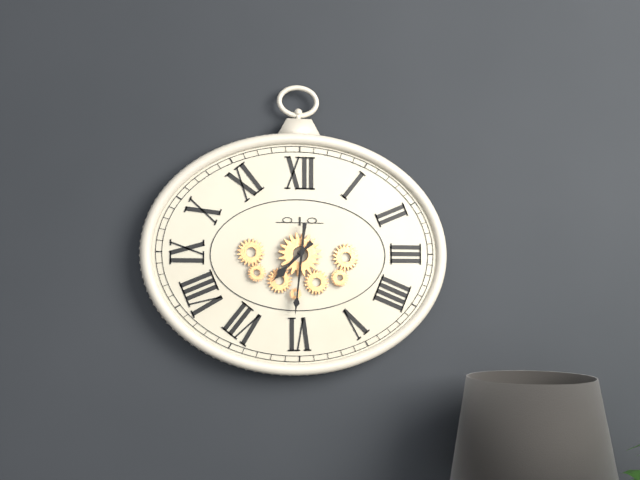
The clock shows 7.31
